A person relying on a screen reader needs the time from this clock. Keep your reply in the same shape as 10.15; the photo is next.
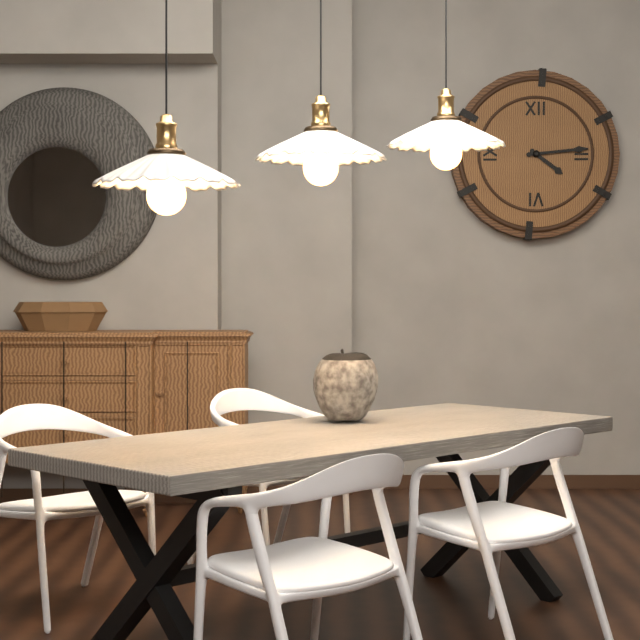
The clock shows 4.14
